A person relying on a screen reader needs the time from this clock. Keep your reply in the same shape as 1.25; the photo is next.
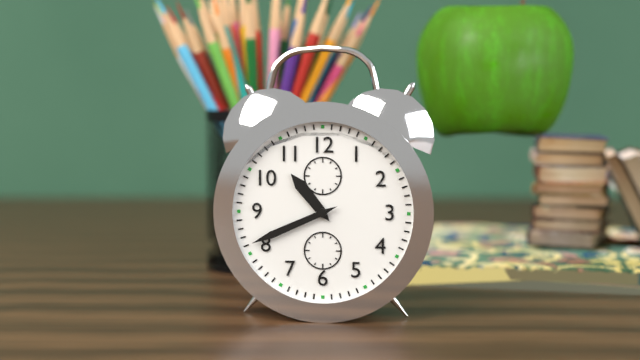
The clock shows 10.41
